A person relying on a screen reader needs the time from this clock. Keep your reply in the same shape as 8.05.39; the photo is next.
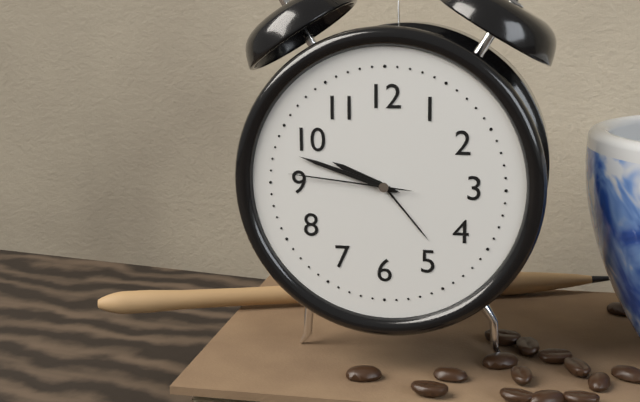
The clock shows 9.48.46
